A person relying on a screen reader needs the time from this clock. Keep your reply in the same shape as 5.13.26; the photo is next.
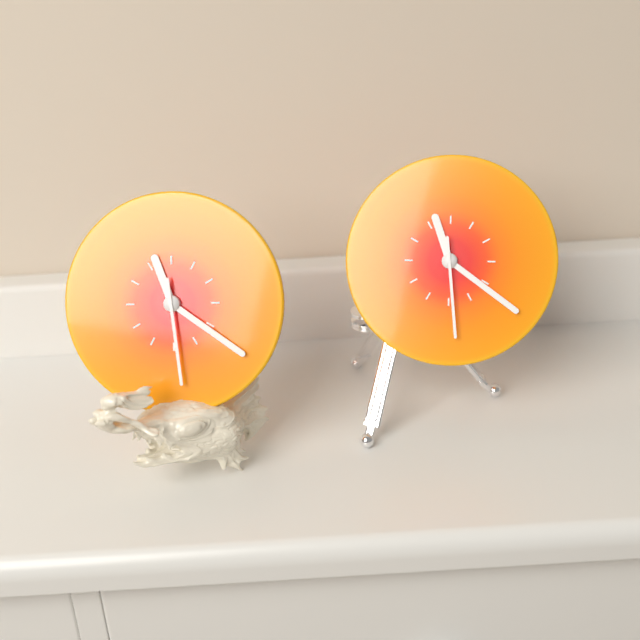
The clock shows 11.21.29
